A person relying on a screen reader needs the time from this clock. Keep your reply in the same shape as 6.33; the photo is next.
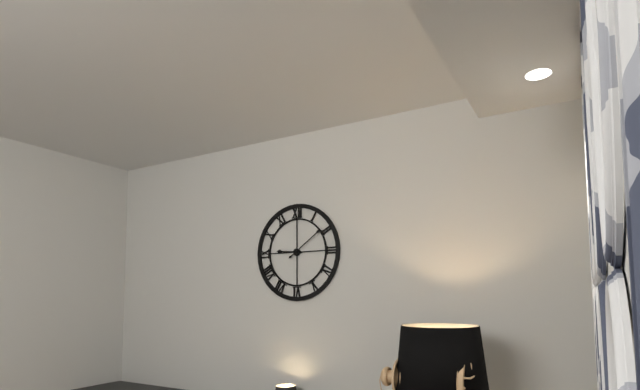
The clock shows 9.09
